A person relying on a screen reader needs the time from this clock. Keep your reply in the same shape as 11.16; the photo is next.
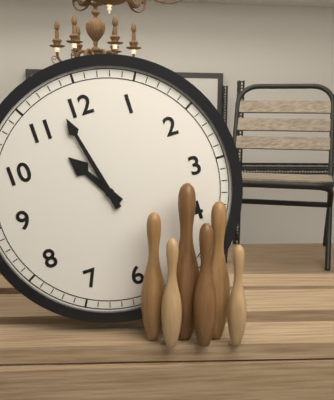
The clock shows 10.58
